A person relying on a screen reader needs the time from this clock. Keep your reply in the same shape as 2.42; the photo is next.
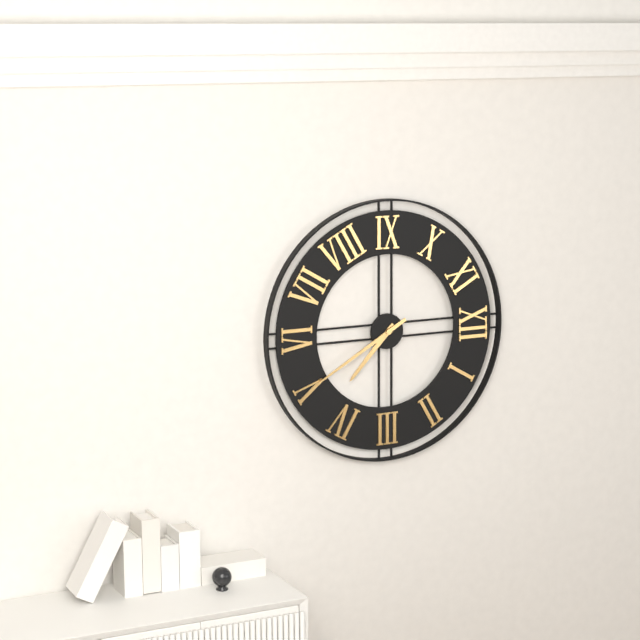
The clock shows 4.25
